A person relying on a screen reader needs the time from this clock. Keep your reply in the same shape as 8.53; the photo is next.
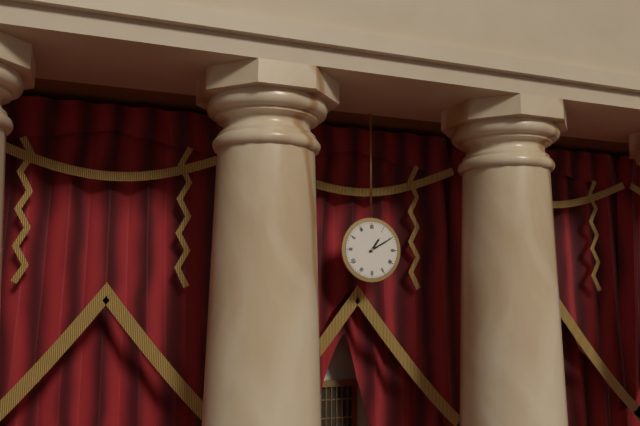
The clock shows 1.10
